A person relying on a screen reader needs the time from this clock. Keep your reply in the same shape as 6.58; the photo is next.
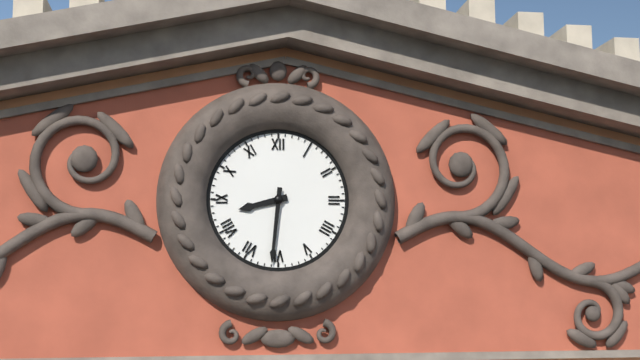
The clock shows 8.31
